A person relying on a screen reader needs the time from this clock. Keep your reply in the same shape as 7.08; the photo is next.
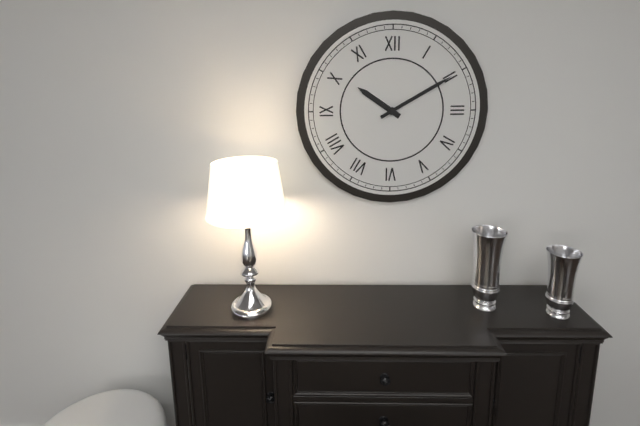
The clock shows 10.10
